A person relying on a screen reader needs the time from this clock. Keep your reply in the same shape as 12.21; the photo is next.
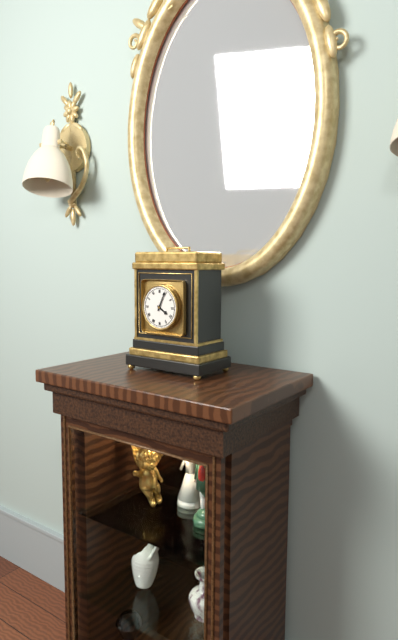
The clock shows 4.04
